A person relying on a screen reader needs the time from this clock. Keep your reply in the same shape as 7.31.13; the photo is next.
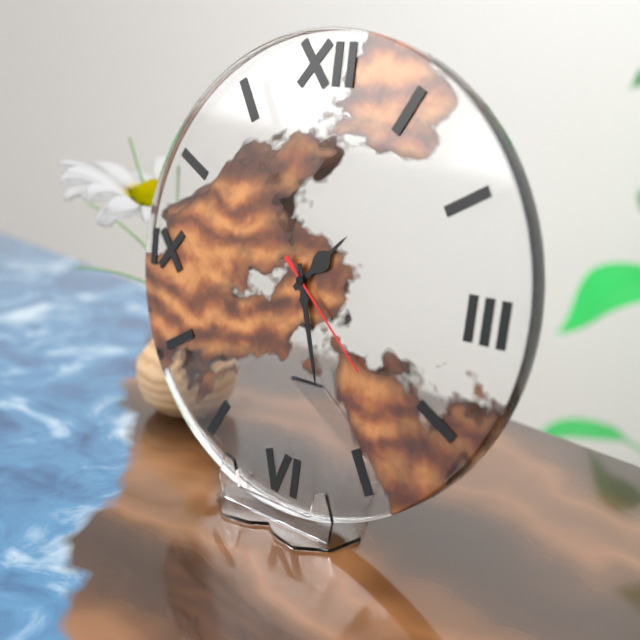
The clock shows 1.27.22
